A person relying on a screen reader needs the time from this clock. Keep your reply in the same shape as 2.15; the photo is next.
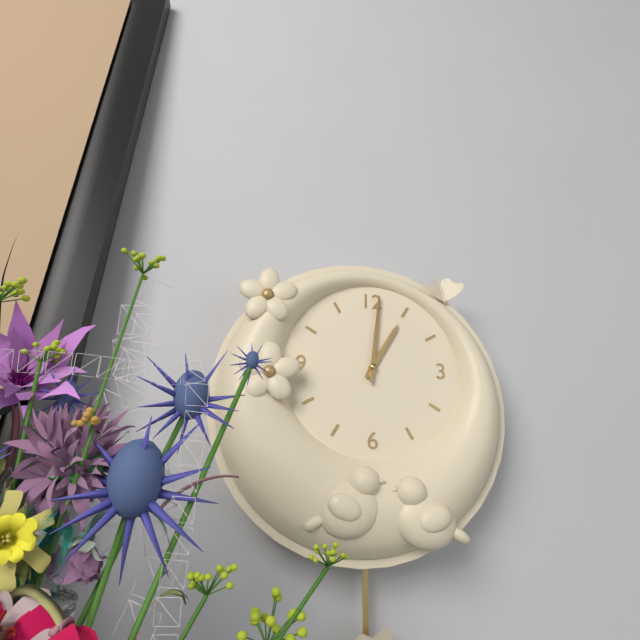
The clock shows 1.01
